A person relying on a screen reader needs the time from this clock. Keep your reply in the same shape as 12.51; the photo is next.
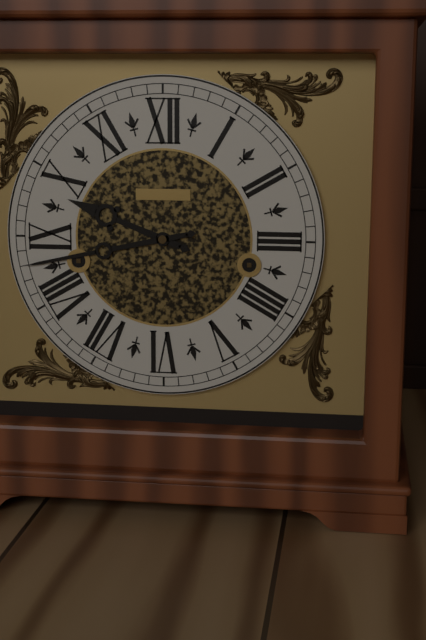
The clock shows 9.43
